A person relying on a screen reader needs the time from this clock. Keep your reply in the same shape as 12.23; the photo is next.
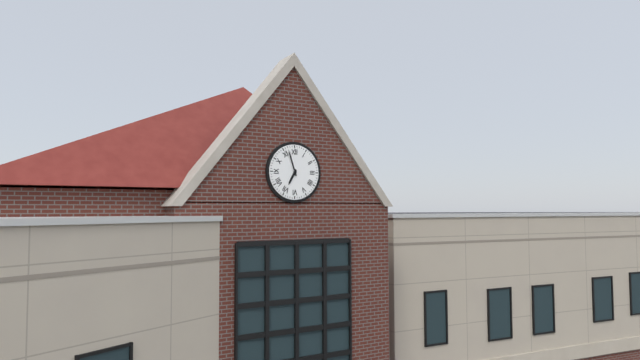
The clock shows 6.57
